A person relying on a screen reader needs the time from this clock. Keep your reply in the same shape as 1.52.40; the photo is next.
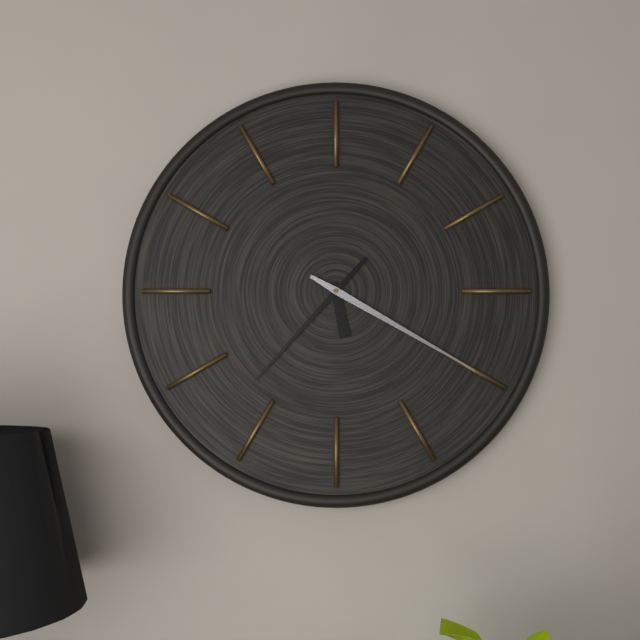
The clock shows 5.37.20
